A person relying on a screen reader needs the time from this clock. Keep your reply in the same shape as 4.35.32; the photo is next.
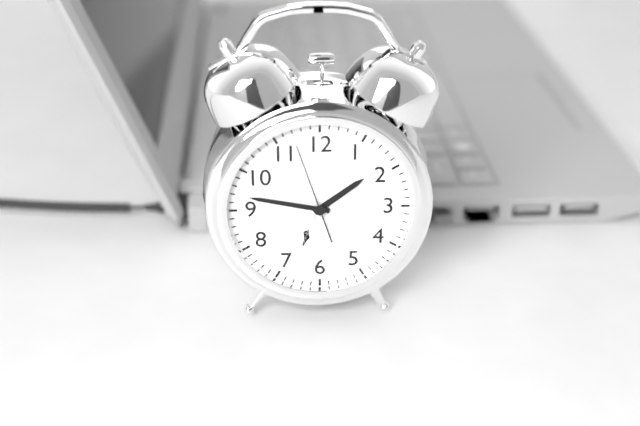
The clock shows 1.47.57
